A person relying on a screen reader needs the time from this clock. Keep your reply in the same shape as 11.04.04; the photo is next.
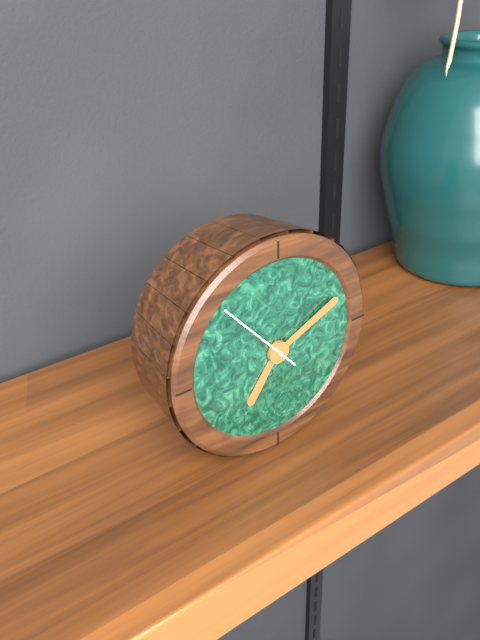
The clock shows 7.11.53
